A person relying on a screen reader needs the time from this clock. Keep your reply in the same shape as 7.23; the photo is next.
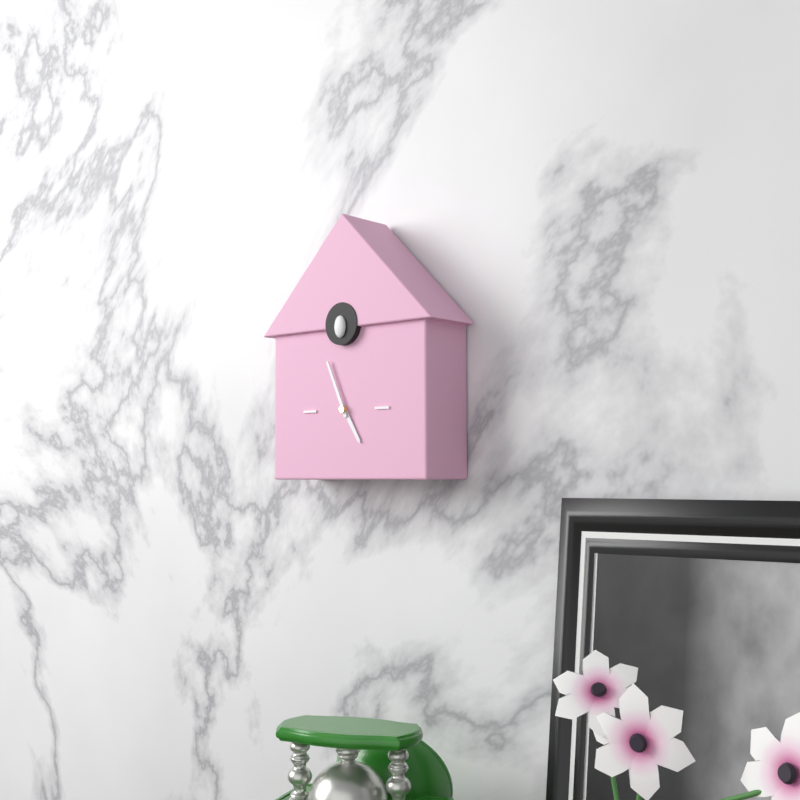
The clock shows 4.56
